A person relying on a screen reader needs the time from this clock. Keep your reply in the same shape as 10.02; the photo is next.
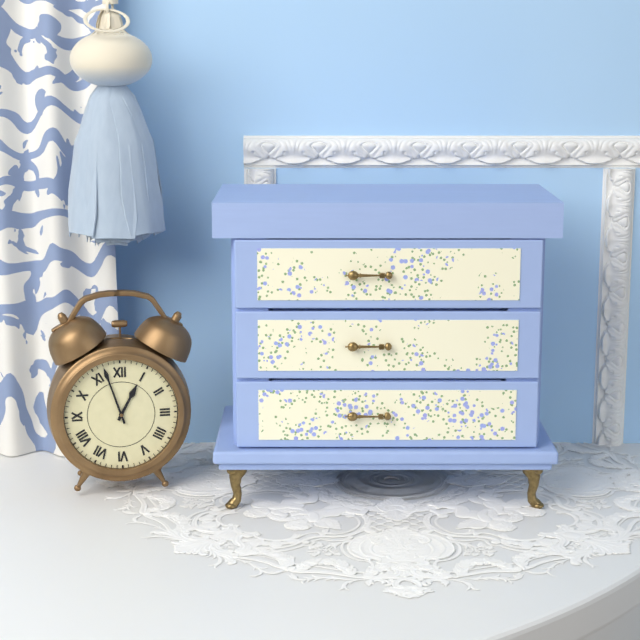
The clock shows 12.57
